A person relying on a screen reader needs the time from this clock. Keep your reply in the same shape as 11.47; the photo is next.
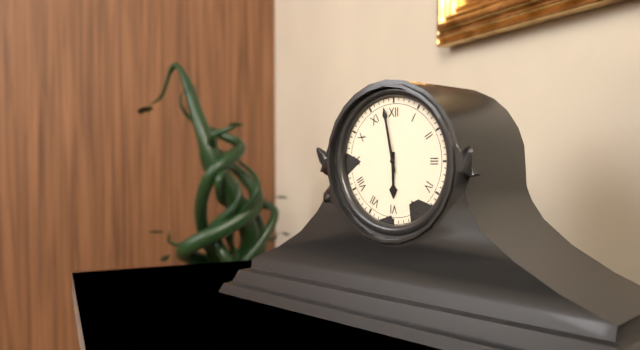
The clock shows 5.58
